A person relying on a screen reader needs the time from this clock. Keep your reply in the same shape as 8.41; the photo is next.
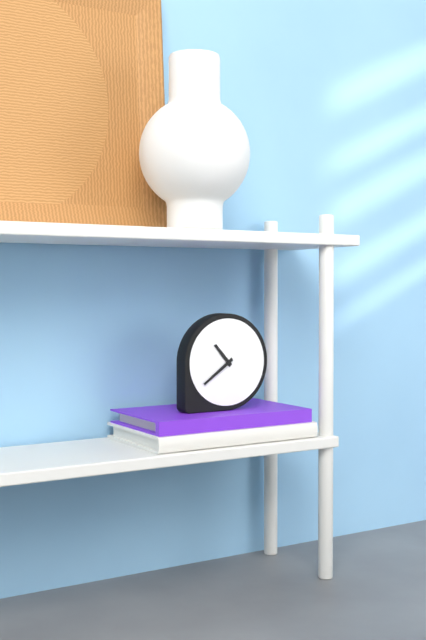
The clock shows 10.39
